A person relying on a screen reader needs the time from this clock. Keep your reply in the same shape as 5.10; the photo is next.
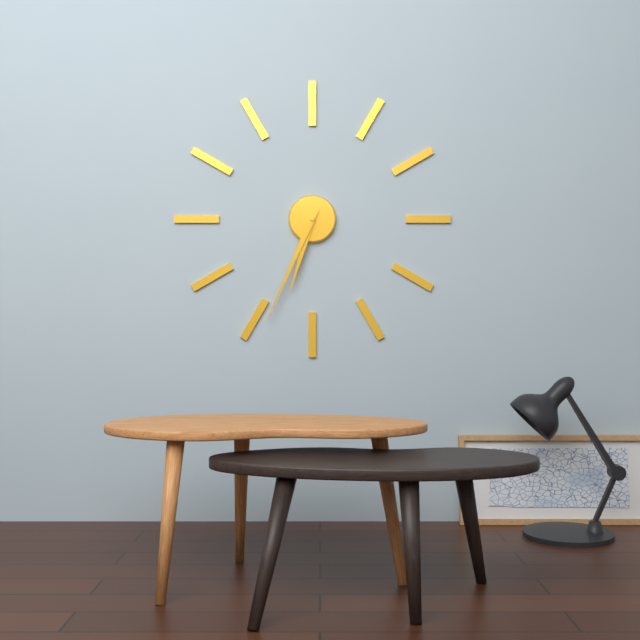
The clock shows 6.34
